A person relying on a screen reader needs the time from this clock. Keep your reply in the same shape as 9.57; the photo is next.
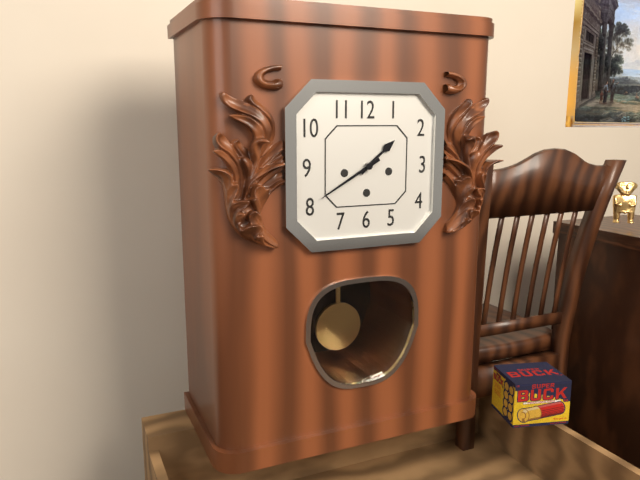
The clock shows 1.40
